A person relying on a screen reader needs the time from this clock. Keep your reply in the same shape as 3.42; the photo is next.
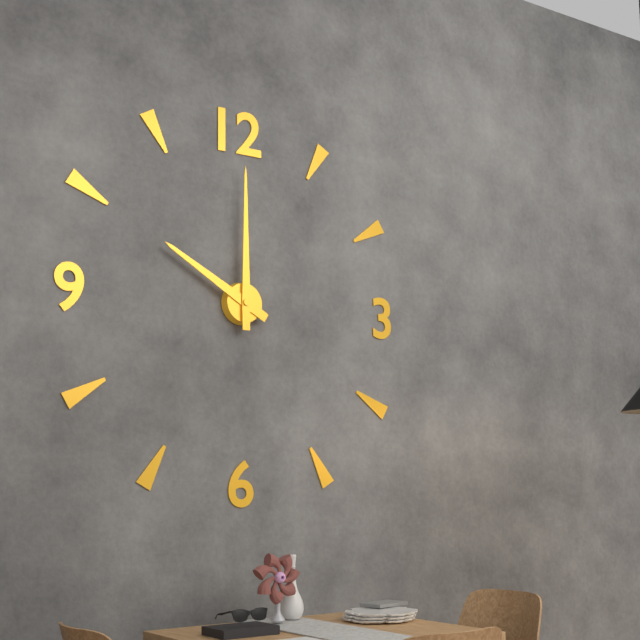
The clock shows 10.00
